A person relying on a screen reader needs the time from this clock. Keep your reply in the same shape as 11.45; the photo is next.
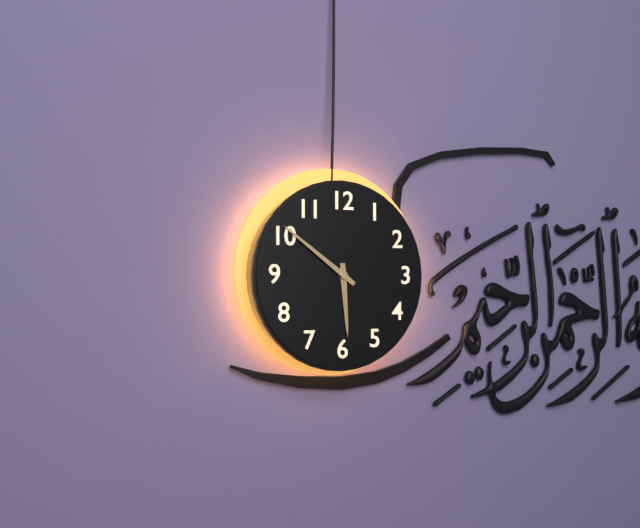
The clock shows 5.51
